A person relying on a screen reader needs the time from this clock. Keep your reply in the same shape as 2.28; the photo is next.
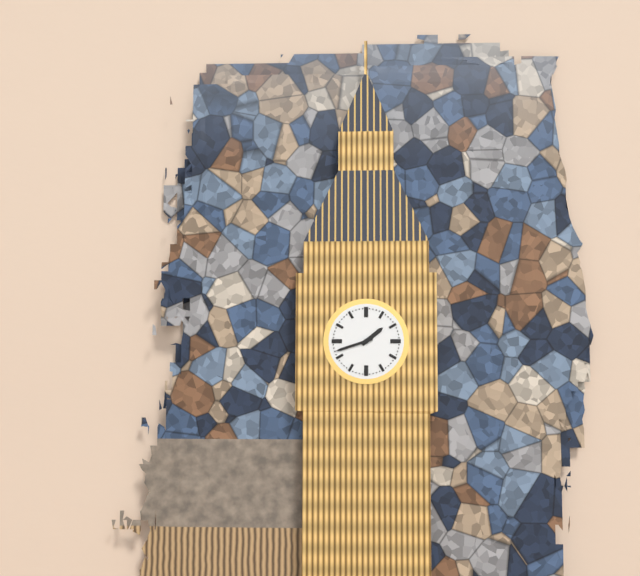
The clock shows 1.42
